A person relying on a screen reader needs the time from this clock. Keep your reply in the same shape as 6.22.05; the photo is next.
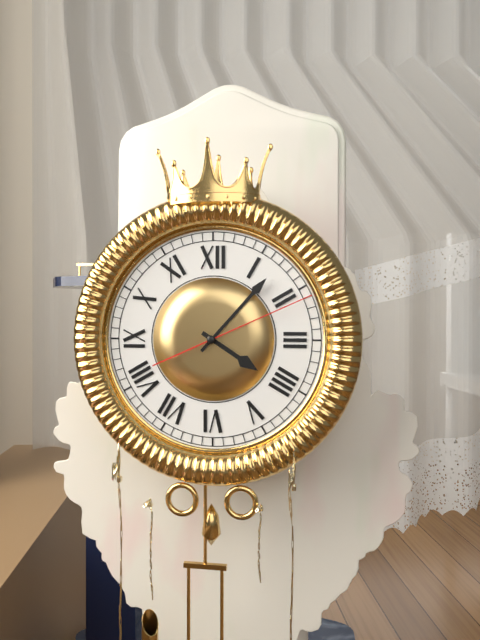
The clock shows 4.07.11
